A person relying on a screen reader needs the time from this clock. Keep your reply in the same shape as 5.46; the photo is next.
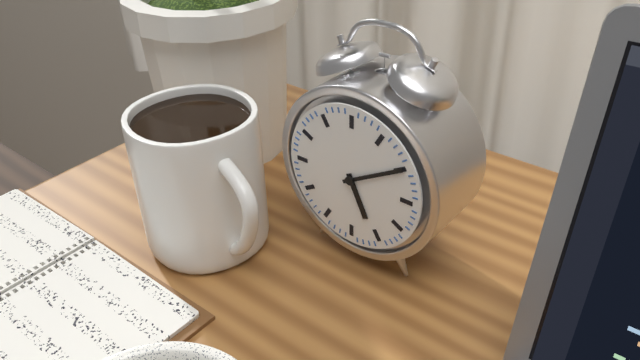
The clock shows 5.10
